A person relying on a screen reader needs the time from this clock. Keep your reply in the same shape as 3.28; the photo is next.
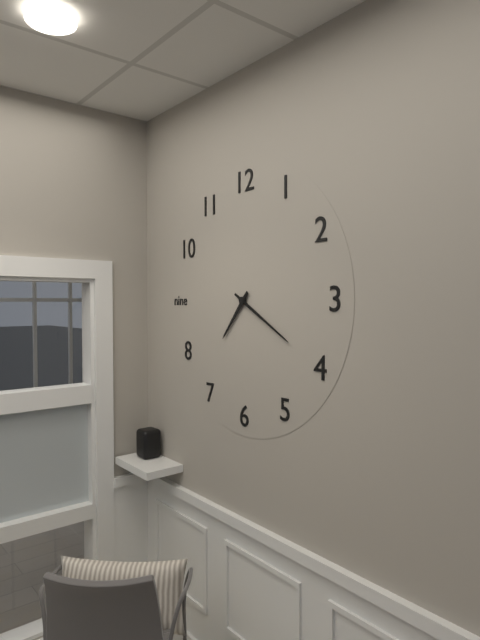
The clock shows 7.20
